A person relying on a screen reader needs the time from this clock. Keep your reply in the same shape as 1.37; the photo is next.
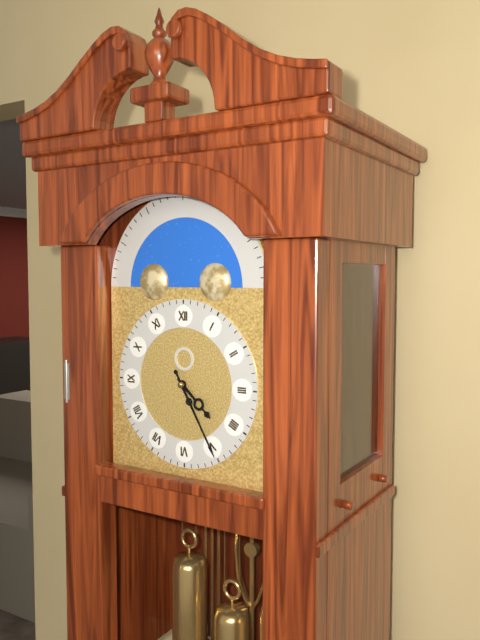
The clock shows 4.25
